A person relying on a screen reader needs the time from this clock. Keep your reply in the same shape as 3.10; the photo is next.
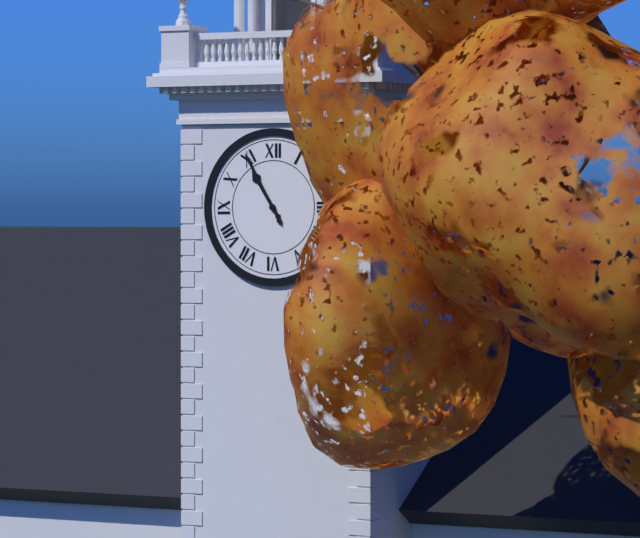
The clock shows 10.55
